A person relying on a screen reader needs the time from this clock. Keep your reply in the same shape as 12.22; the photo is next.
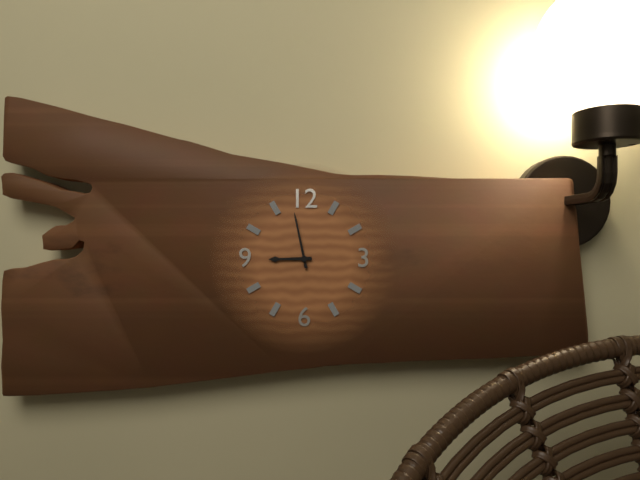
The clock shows 8.58
